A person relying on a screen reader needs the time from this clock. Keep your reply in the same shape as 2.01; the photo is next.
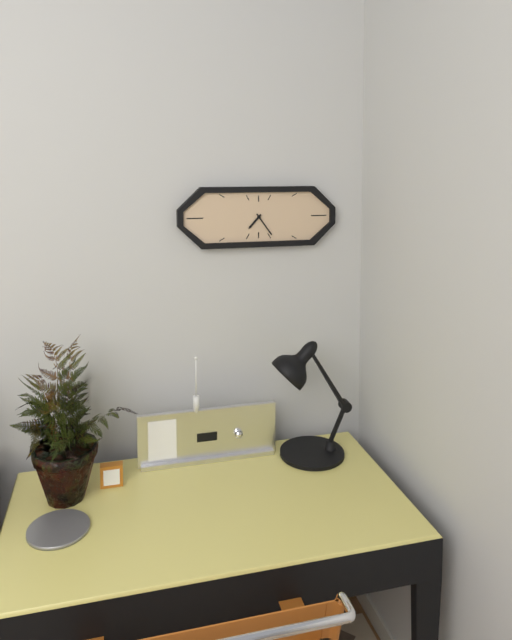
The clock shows 7.24
